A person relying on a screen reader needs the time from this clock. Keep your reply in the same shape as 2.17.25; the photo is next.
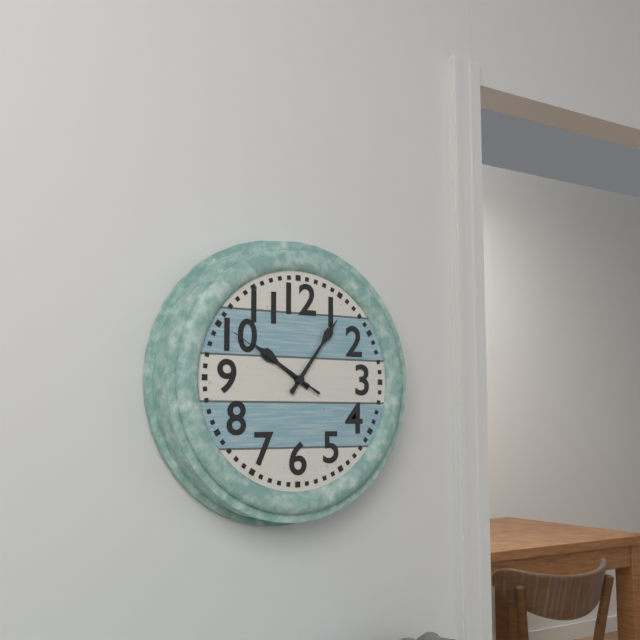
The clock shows 10.06.50
